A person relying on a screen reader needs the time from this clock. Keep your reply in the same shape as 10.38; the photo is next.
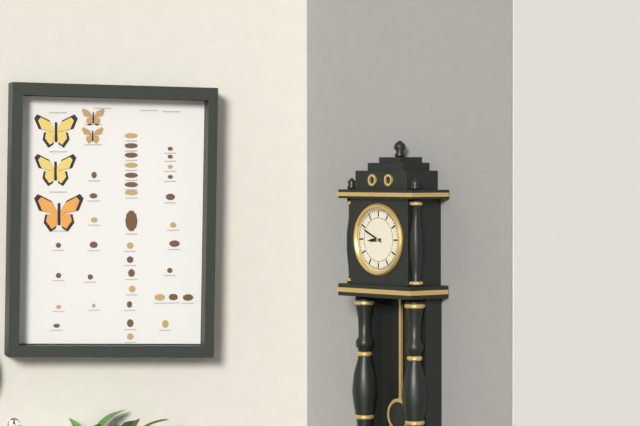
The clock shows 8.49
